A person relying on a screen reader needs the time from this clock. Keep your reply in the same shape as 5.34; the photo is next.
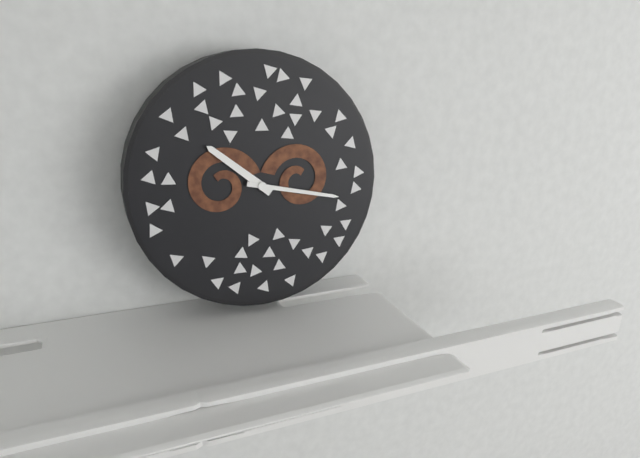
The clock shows 10.17
